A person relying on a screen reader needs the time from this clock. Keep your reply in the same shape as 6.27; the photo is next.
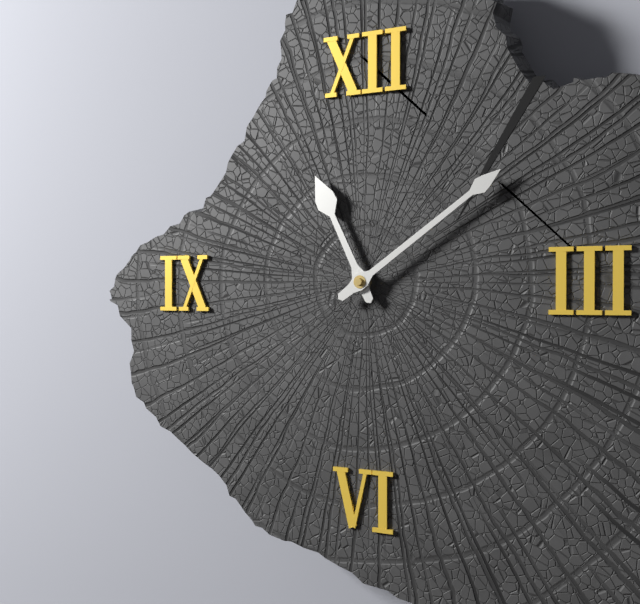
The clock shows 11.09
